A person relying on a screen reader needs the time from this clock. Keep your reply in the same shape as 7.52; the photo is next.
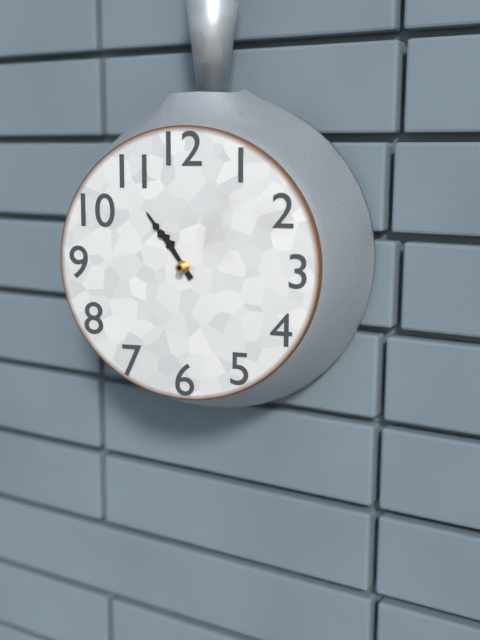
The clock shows 10.54
